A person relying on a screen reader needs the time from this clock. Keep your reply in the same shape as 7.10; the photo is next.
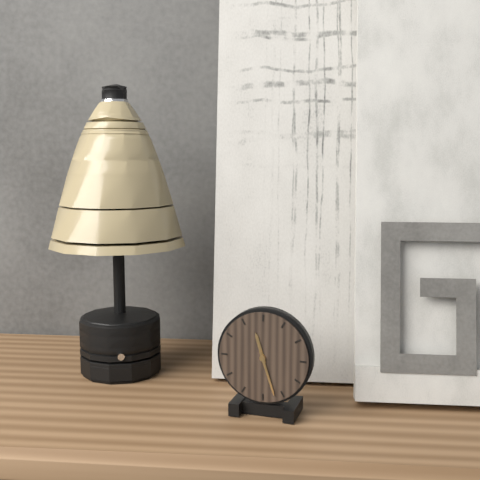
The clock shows 11.27
